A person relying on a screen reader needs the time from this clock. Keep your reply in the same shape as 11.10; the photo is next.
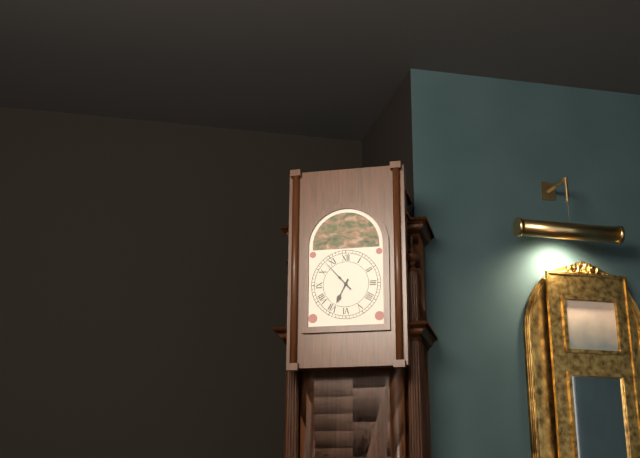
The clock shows 6.53
